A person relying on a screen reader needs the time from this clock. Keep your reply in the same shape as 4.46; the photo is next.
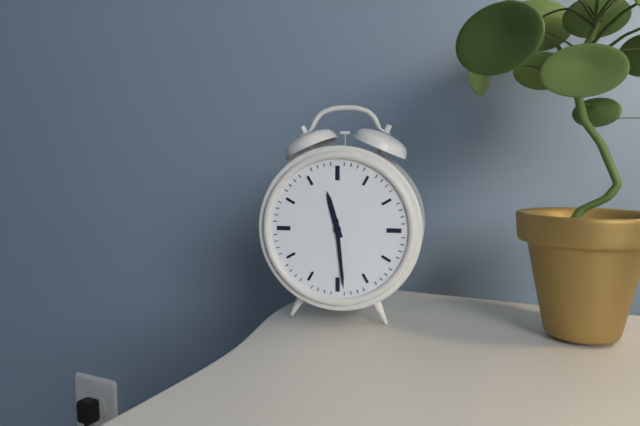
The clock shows 11.29
